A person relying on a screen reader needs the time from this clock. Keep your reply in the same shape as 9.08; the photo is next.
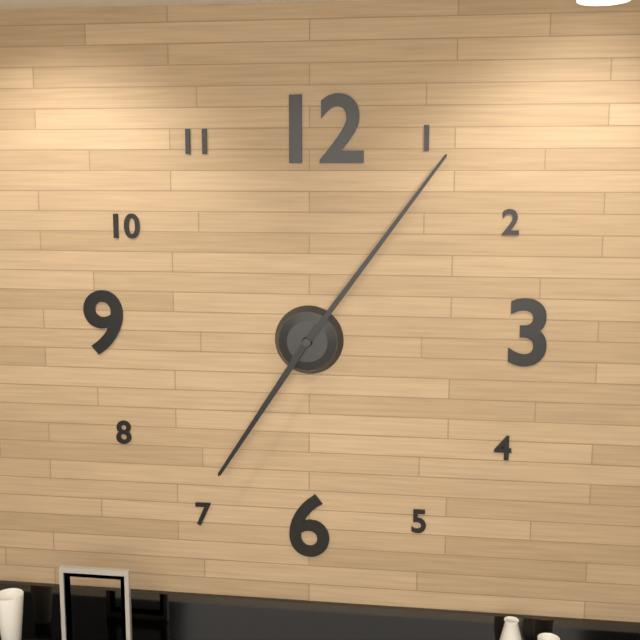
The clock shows 7.06
